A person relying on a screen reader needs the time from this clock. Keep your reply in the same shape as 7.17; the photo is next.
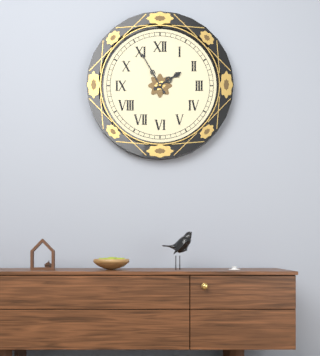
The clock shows 1.55
